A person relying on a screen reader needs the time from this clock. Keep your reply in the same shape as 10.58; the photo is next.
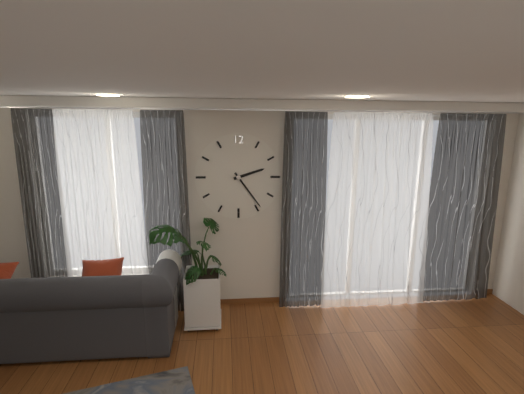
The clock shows 2.24
